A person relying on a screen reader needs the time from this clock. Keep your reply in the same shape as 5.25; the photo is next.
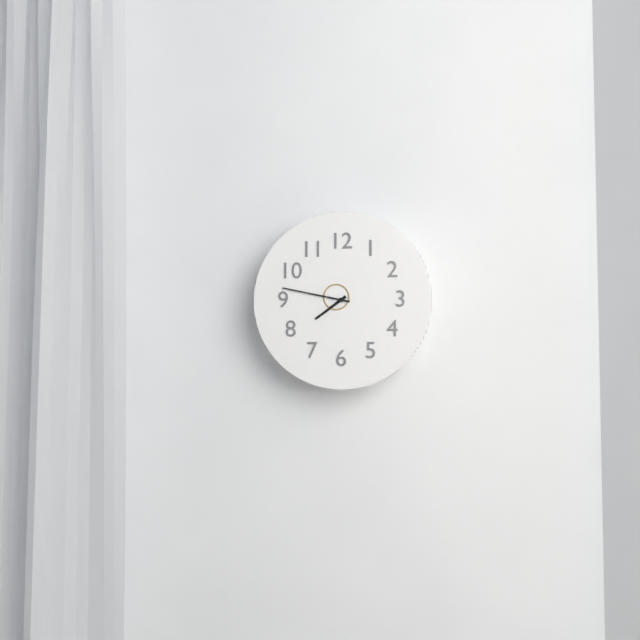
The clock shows 7.47
